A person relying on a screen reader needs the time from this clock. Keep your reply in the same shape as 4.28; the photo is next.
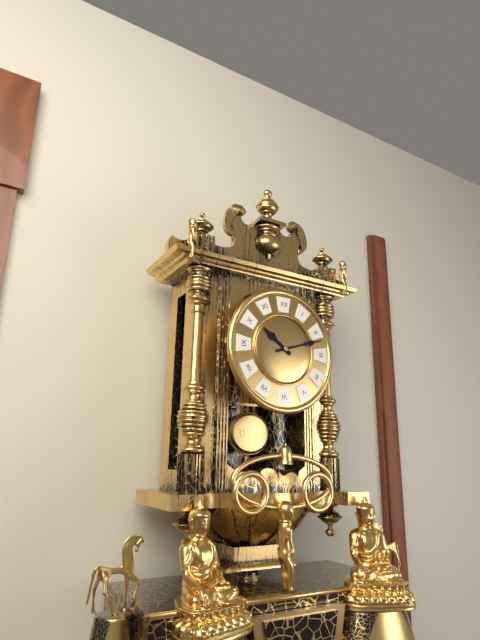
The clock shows 10.12
